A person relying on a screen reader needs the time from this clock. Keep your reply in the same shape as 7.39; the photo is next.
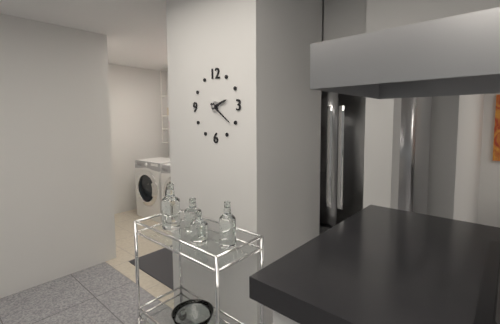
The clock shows 2.21
